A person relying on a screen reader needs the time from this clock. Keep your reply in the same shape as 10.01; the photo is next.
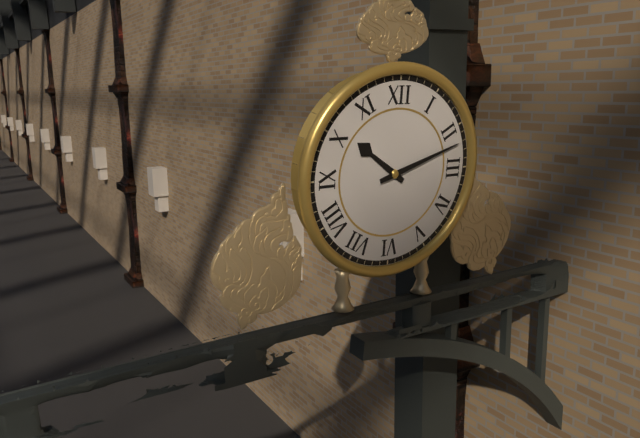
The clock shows 10.12
